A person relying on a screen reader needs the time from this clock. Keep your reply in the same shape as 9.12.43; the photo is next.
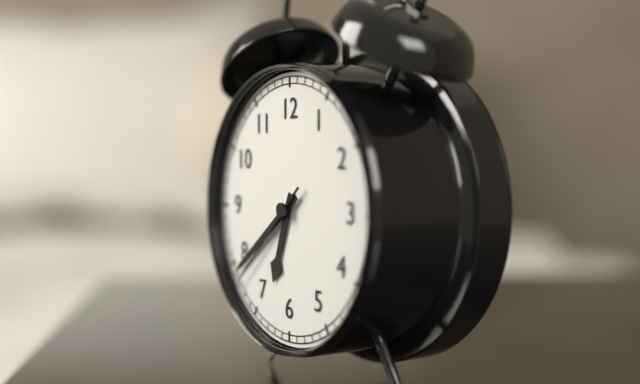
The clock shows 6.39.38
